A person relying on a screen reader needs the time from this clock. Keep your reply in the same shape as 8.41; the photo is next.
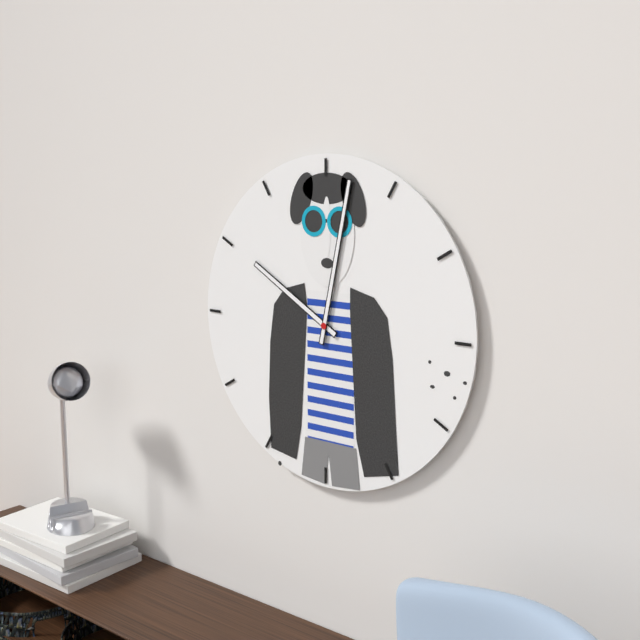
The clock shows 10.02
